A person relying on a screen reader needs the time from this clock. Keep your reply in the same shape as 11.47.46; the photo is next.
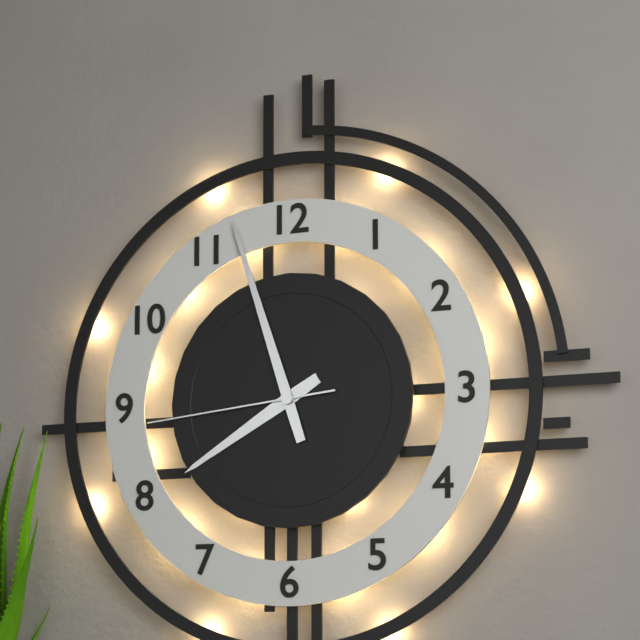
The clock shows 7.57.44
